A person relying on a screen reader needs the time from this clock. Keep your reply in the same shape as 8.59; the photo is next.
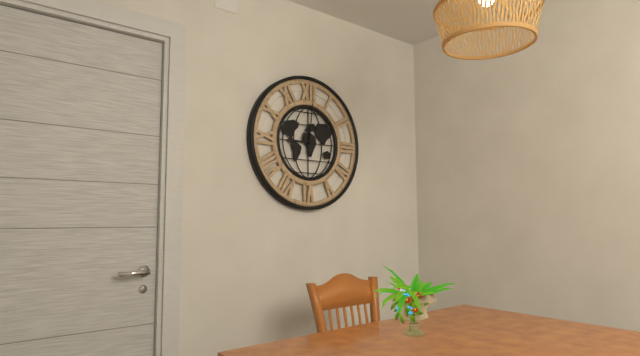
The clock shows 9.01
